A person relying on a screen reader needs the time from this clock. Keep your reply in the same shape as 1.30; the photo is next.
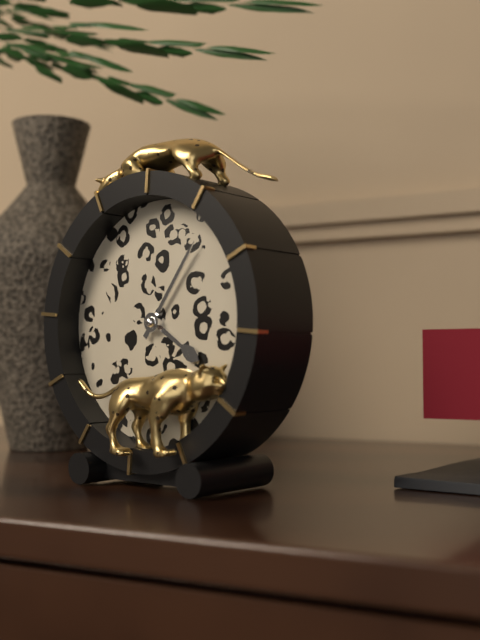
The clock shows 4.06
